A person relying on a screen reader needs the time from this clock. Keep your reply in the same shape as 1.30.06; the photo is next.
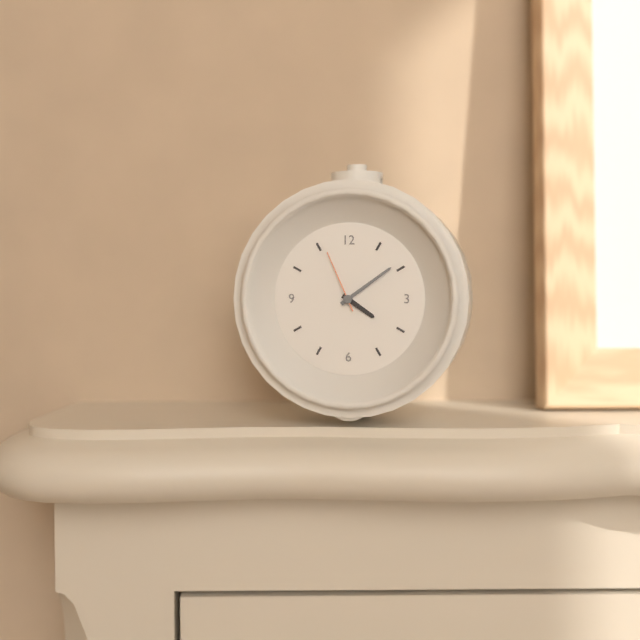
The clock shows 4.09.56
